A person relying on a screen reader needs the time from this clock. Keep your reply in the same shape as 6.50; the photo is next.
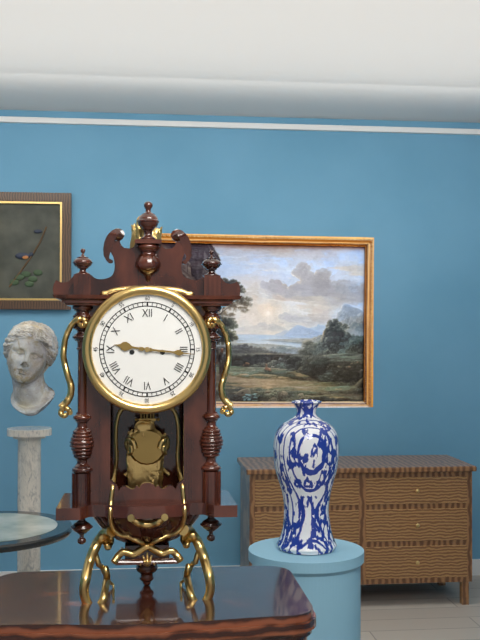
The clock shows 9.16
